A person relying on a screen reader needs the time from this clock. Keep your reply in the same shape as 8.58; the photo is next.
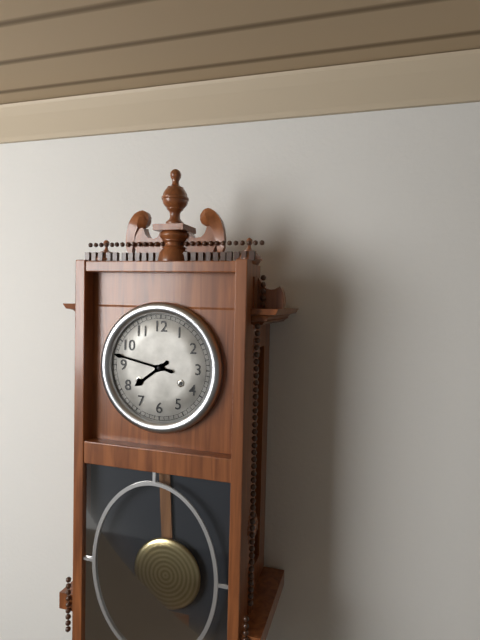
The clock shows 7.47
